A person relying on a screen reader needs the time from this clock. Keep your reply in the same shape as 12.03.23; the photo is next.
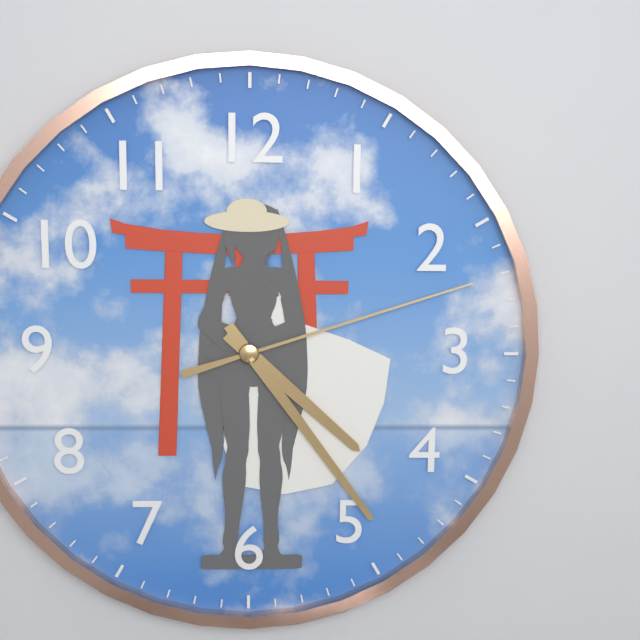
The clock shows 4.24.12
